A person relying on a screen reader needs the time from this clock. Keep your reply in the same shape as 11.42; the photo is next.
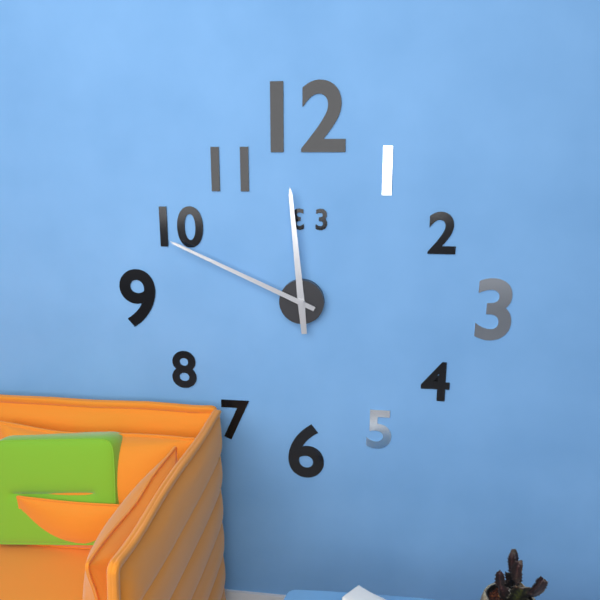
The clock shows 11.49
